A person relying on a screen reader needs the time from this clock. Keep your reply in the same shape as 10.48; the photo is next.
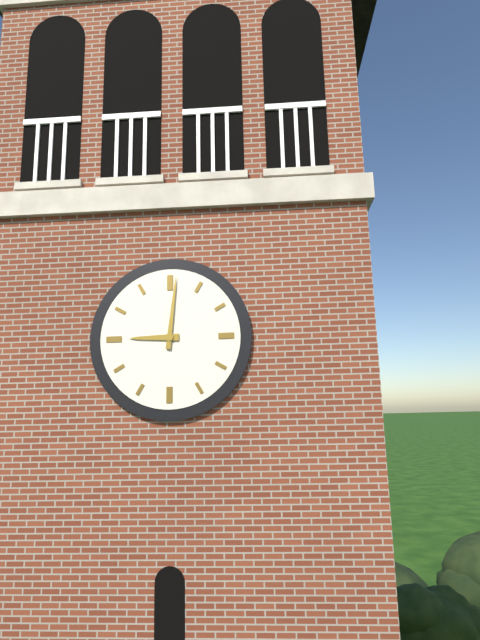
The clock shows 9.01
